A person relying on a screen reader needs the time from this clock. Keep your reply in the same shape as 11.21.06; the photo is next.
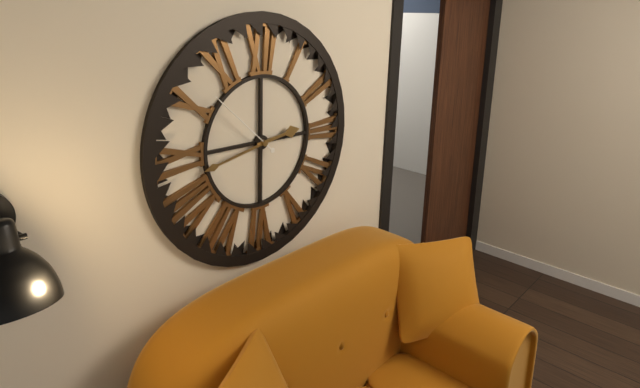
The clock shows 2.43.52
